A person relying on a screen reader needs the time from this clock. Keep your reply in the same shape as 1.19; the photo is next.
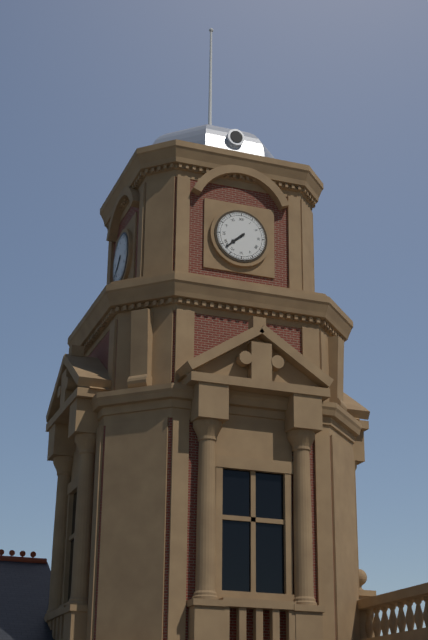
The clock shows 7.38
